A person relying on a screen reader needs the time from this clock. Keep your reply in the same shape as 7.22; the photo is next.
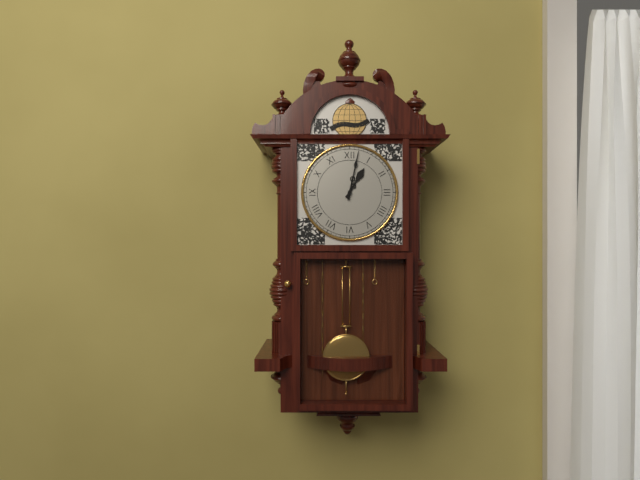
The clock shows 1.02
